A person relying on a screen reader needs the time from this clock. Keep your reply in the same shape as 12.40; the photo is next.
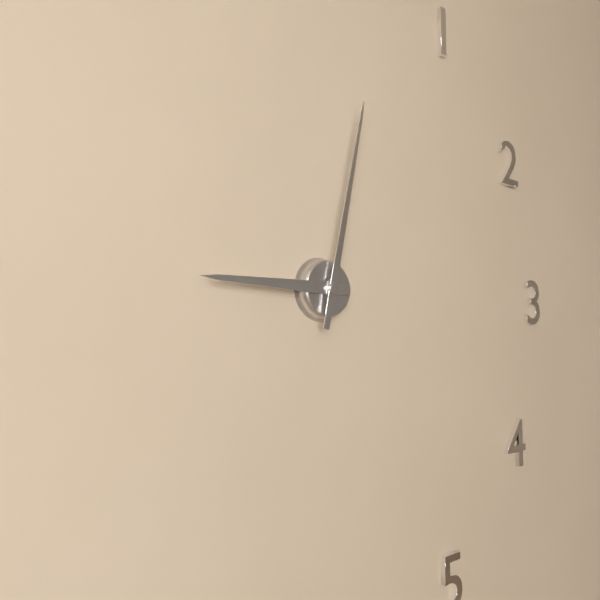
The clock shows 9.02
